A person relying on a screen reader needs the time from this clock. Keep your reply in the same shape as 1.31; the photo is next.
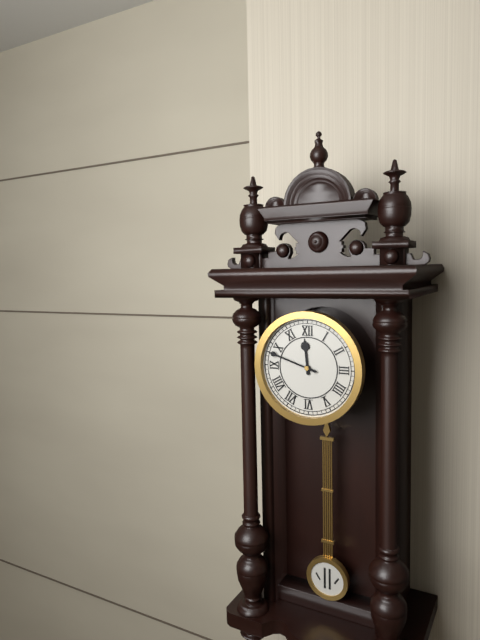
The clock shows 11.48
